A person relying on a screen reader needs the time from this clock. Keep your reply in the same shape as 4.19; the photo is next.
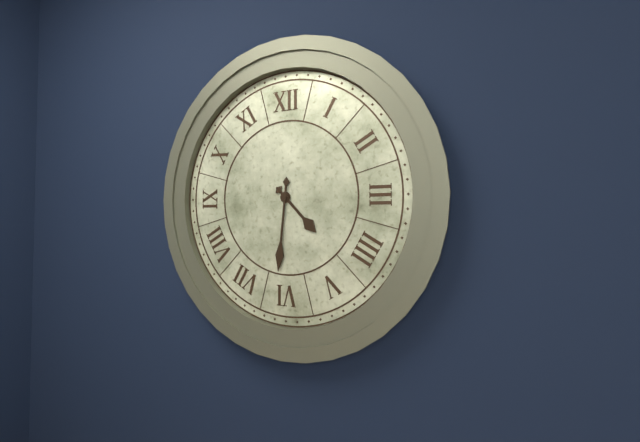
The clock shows 4.31
